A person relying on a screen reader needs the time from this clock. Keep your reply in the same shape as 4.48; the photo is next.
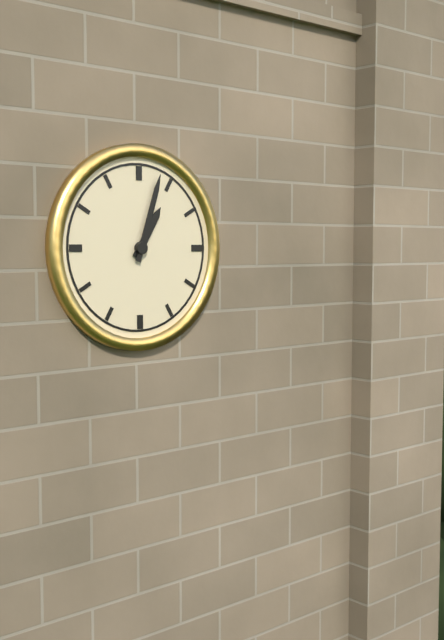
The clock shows 1.03
